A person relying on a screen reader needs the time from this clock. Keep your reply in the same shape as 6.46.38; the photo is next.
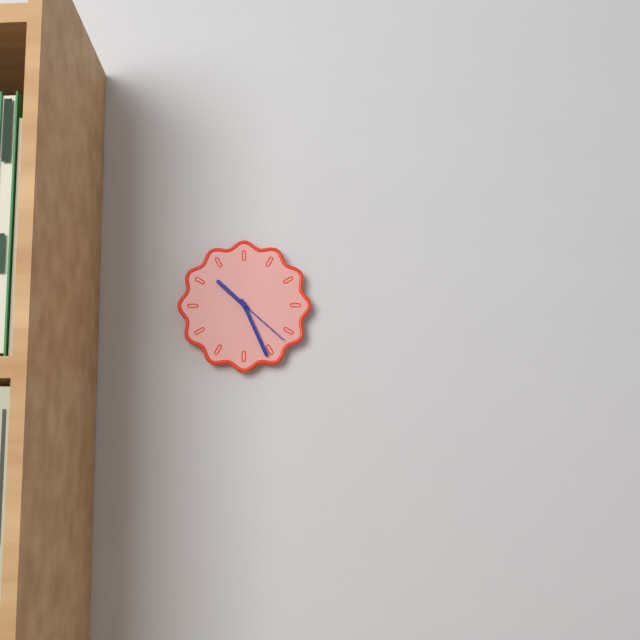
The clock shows 10.26.22
